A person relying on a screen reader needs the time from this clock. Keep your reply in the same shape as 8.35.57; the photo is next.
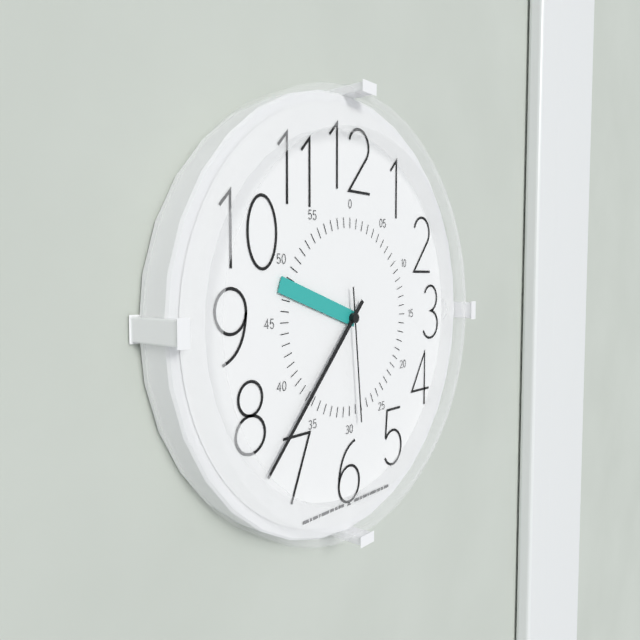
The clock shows 9.37.29
